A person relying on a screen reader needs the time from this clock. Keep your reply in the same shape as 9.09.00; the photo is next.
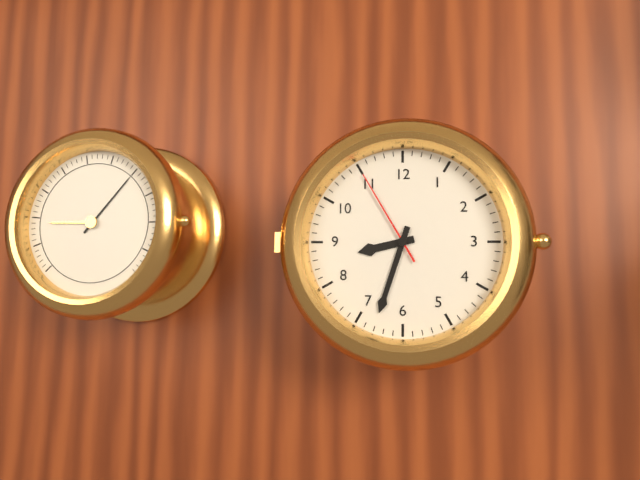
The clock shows 8.33.55
